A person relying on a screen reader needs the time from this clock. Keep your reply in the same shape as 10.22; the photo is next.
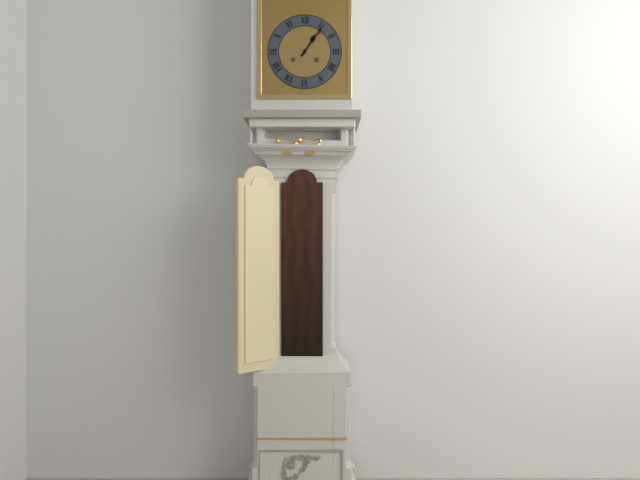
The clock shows 1.06
